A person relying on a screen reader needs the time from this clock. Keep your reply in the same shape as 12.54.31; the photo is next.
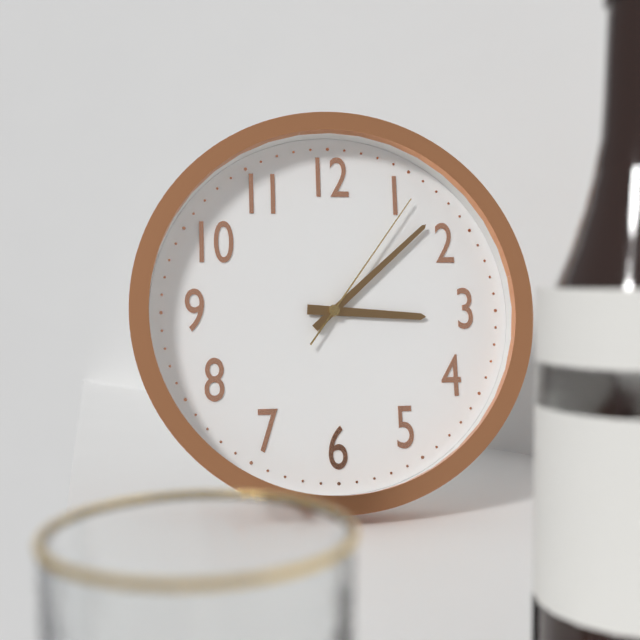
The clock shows 3.08.06
